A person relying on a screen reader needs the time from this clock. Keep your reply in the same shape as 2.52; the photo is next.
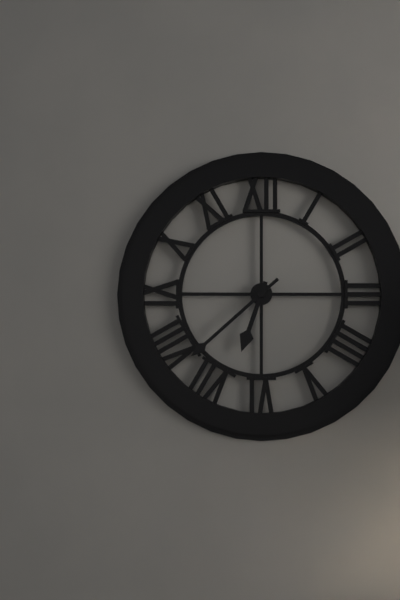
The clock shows 6.38
